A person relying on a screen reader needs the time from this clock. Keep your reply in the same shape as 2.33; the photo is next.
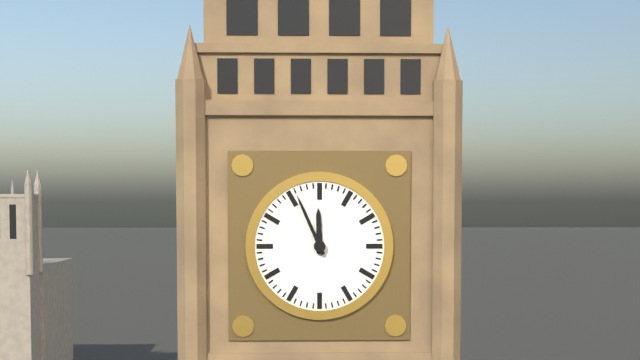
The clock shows 11.56
